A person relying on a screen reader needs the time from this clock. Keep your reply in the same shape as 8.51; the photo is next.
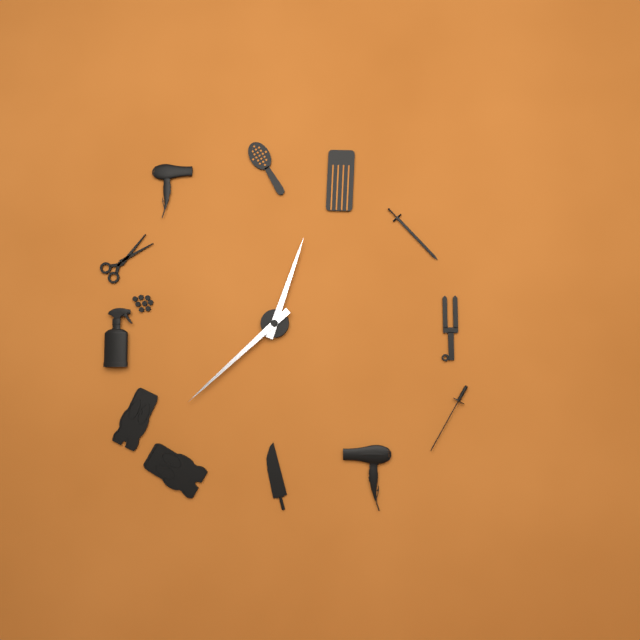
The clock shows 12.38
